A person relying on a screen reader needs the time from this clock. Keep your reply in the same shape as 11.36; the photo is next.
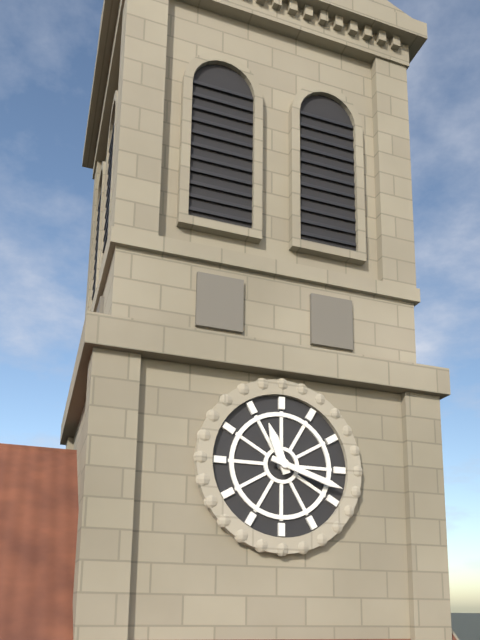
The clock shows 11.18
